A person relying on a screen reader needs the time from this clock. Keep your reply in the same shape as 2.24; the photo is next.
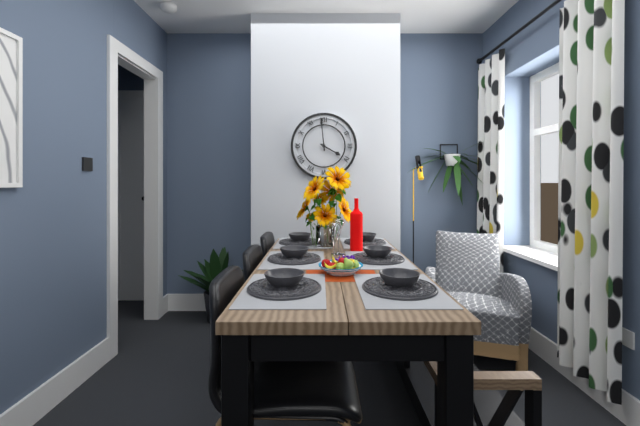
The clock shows 3.59
